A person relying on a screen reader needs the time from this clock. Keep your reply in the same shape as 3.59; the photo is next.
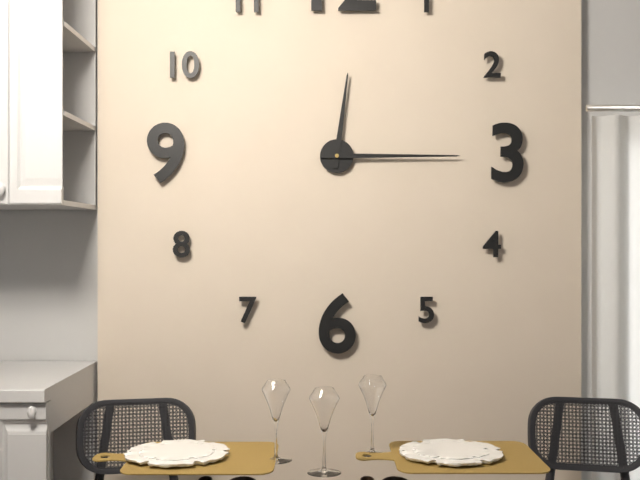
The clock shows 12.15
